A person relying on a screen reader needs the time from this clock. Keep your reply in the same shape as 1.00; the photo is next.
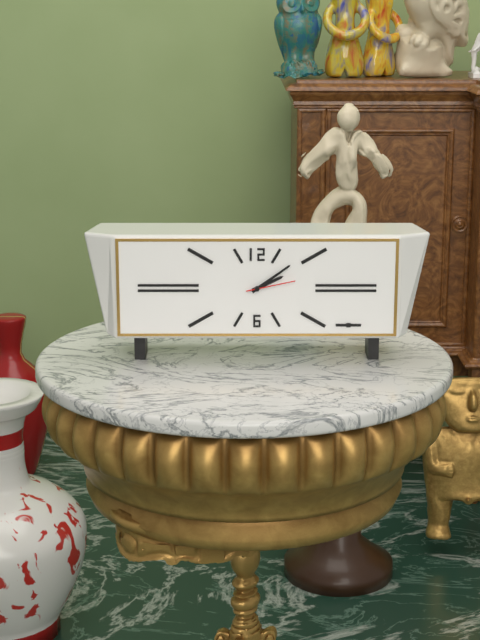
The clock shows 2.09
